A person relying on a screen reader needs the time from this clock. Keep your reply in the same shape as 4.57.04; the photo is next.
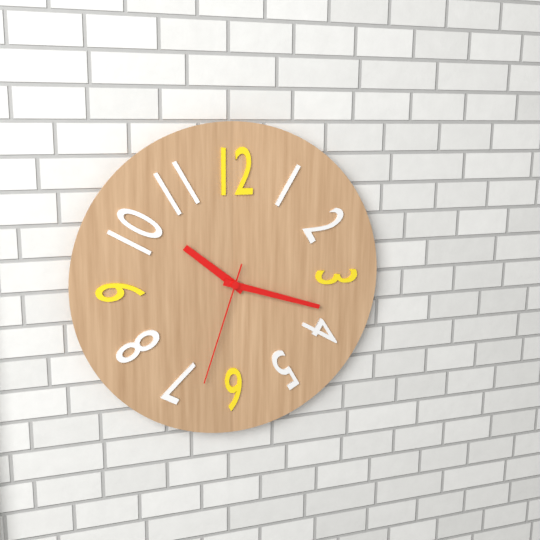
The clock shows 10.18.33
